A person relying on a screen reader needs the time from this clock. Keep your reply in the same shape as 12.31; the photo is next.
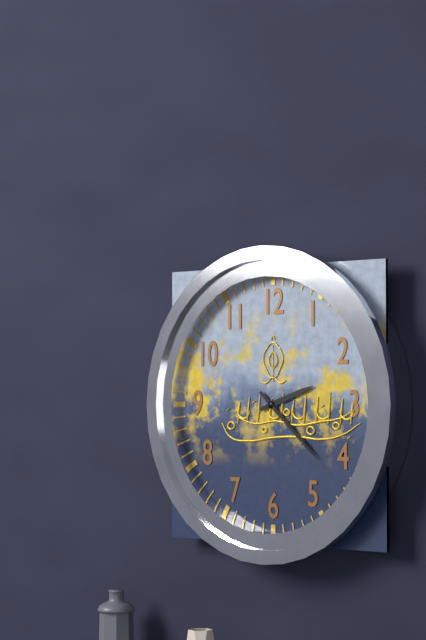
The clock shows 2.22
